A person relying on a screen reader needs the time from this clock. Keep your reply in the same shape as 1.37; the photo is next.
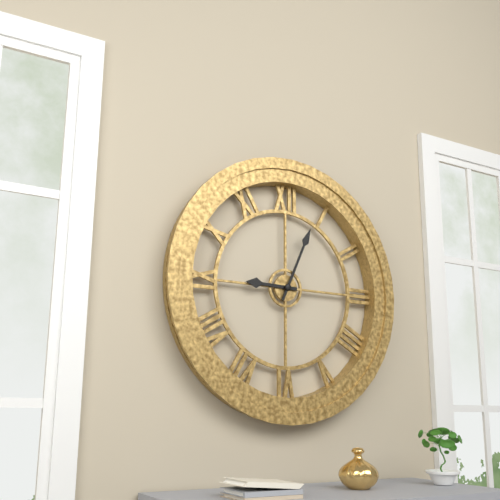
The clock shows 9.04
